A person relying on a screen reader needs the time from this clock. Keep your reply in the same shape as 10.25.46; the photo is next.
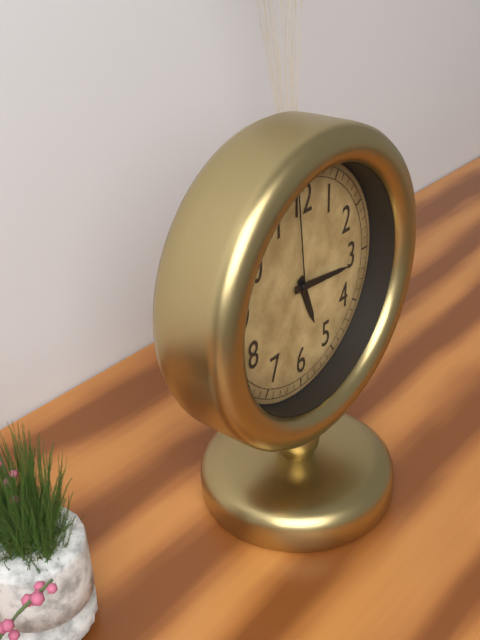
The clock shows 5.16.59
